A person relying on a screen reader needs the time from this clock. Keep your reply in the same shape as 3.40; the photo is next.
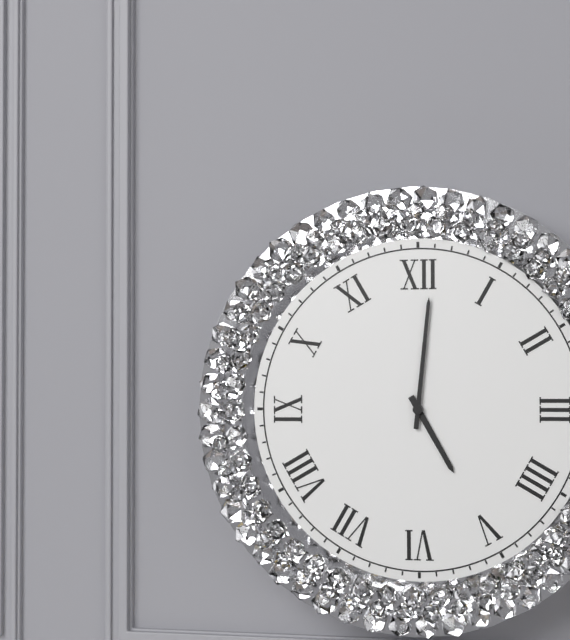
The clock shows 5.01
